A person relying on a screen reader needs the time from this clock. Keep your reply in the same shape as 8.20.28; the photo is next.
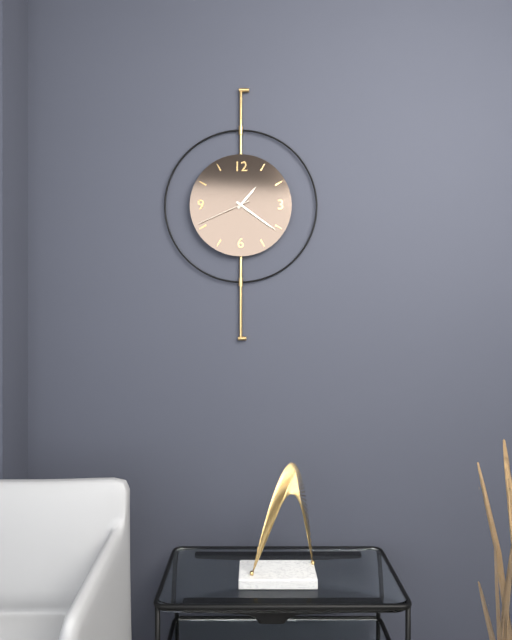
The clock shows 1.21.41
